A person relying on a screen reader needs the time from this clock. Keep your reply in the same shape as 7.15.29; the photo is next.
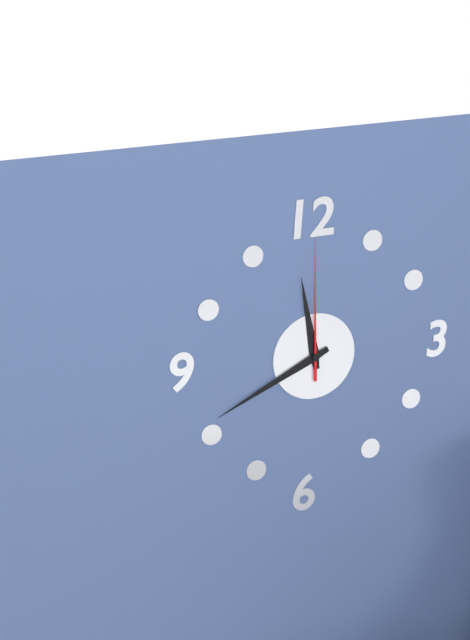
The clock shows 11.41.00
